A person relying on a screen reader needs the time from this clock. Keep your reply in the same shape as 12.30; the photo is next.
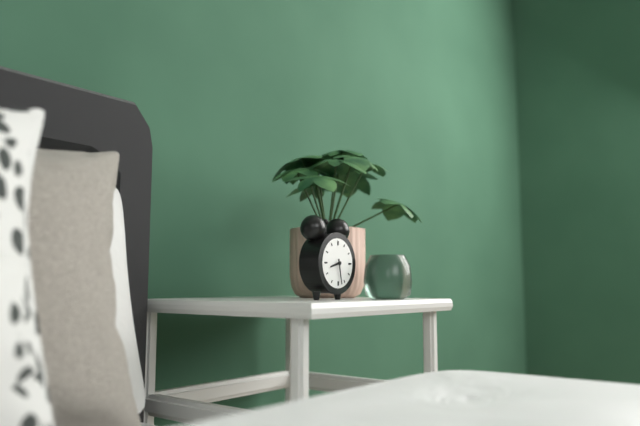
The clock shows 8.28
